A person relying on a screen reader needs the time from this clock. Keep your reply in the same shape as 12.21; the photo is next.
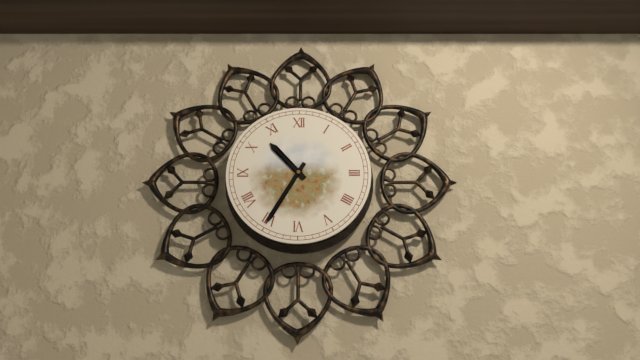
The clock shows 10.35
